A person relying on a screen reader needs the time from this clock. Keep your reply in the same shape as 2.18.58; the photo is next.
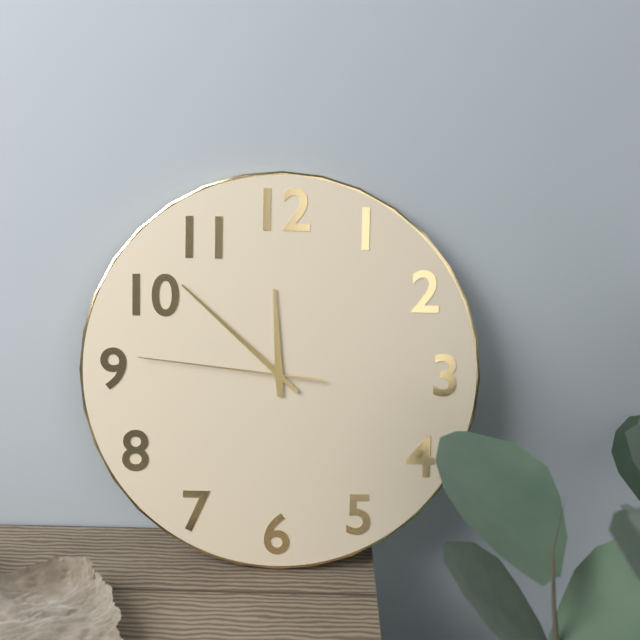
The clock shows 11.52.46
